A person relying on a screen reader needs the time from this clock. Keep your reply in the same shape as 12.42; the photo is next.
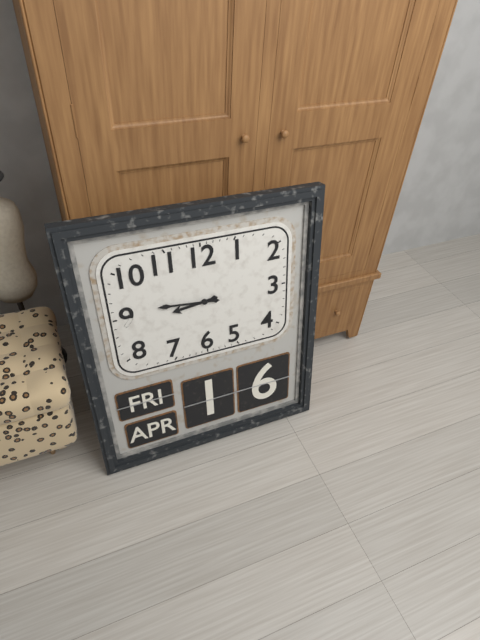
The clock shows 8.46
